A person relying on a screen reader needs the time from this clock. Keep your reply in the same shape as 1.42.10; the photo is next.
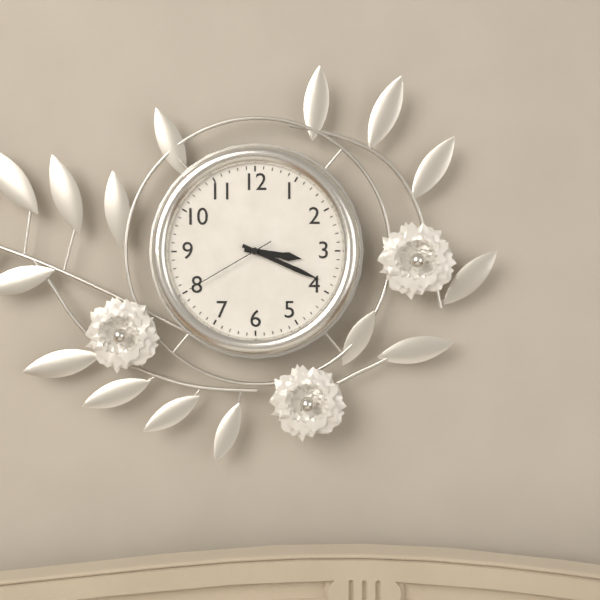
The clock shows 3.19.40
